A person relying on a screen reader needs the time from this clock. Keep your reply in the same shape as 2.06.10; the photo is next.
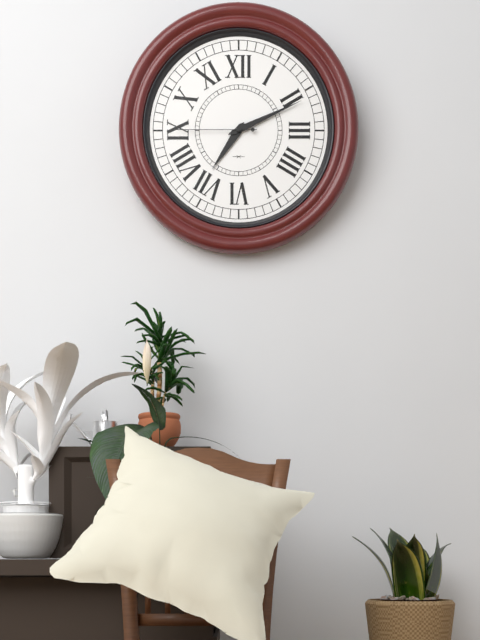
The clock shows 7.11.45
